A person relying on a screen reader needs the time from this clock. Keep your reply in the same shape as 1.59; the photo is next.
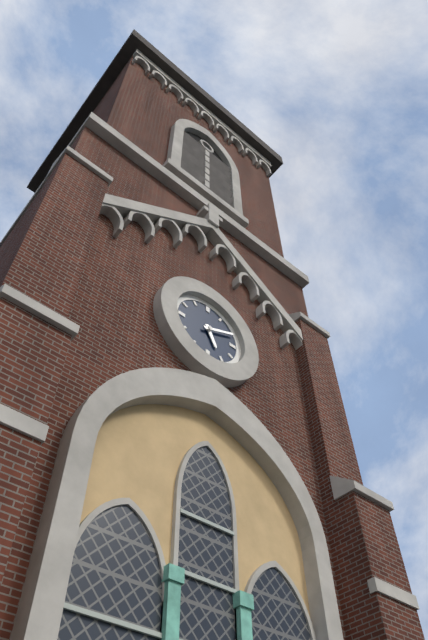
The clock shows 5.11
